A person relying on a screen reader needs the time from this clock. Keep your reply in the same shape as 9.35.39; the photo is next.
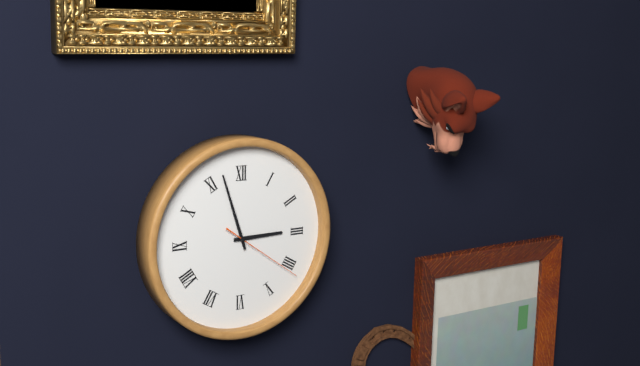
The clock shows 2.57.21
